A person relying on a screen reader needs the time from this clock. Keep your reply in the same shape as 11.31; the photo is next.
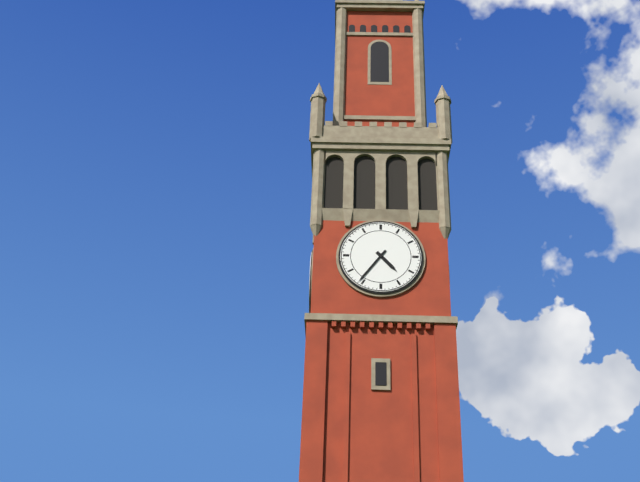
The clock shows 4.36
